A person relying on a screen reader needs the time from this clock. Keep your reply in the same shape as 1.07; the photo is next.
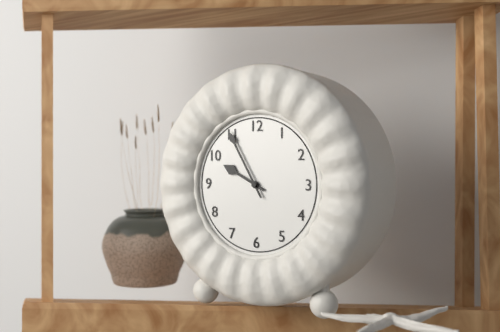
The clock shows 9.55
